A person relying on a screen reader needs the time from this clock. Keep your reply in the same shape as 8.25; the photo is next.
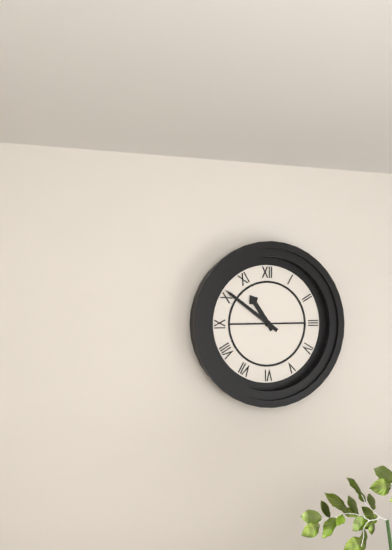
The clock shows 10.51
